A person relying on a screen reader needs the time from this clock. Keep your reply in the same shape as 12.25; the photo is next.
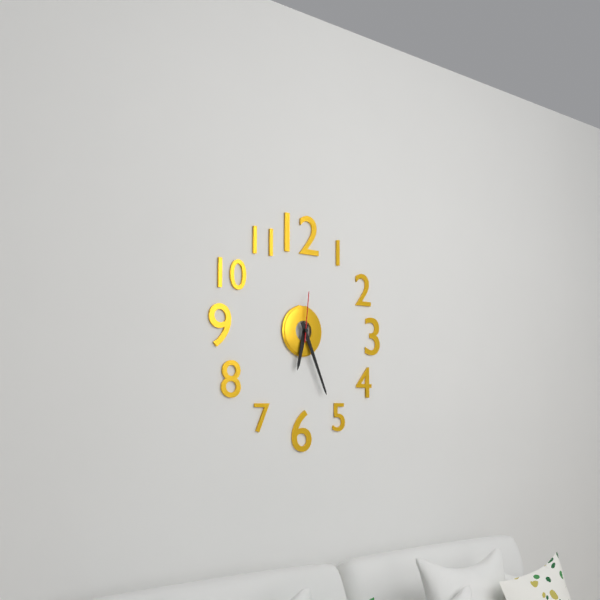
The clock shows 6.26
